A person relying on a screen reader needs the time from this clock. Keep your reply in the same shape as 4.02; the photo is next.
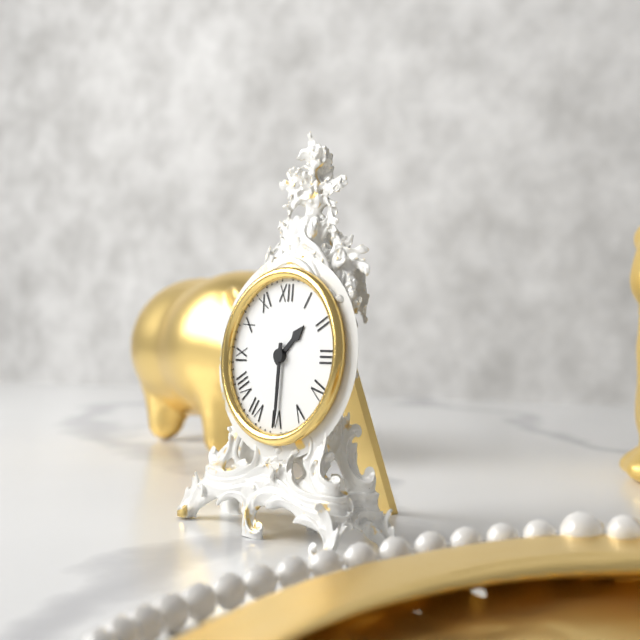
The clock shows 1.30
